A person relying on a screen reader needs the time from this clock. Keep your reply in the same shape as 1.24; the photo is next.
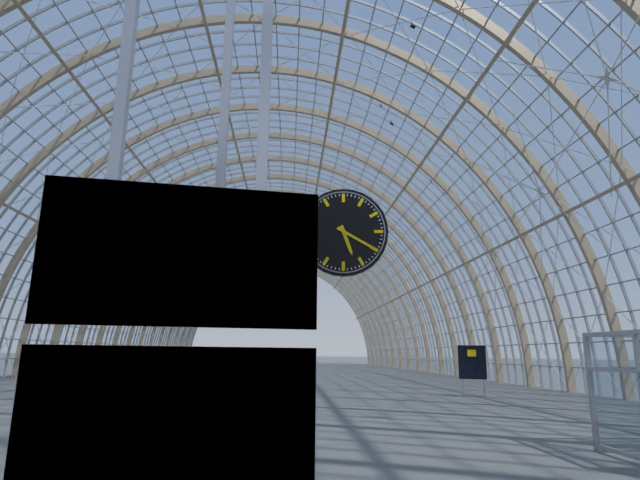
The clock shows 5.20
